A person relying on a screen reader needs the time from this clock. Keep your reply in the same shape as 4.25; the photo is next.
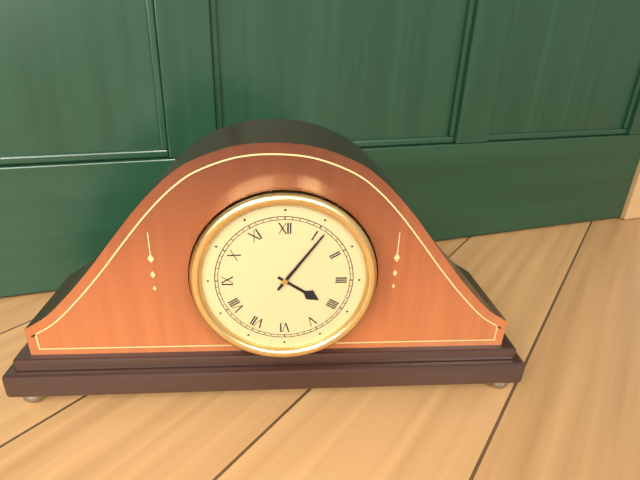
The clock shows 4.06
